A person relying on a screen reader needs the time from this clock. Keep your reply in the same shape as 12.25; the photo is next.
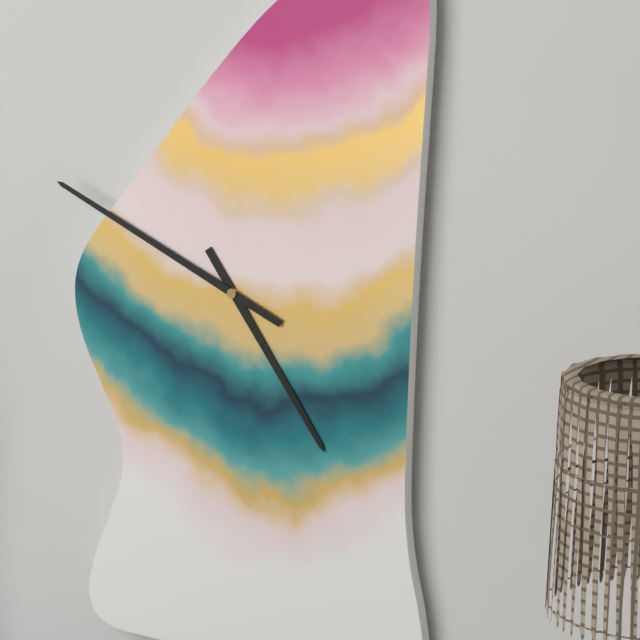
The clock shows 4.49
